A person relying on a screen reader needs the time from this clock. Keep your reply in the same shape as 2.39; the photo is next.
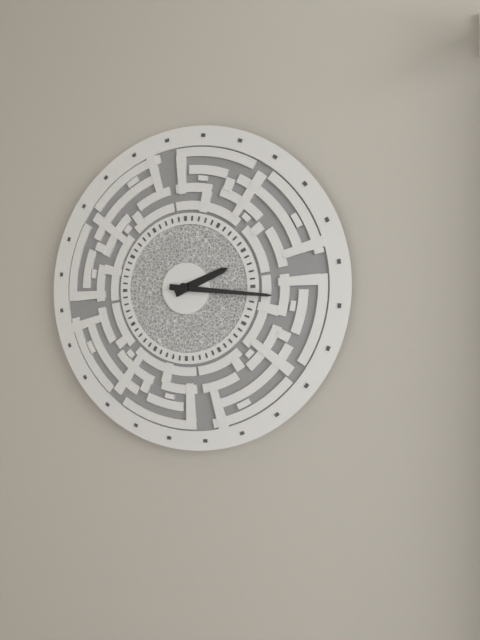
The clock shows 2.16
